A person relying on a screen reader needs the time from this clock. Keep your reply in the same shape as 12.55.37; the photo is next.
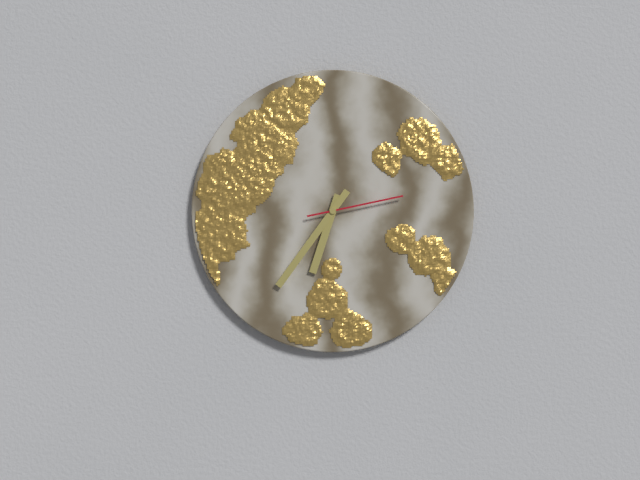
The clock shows 6.36.13
